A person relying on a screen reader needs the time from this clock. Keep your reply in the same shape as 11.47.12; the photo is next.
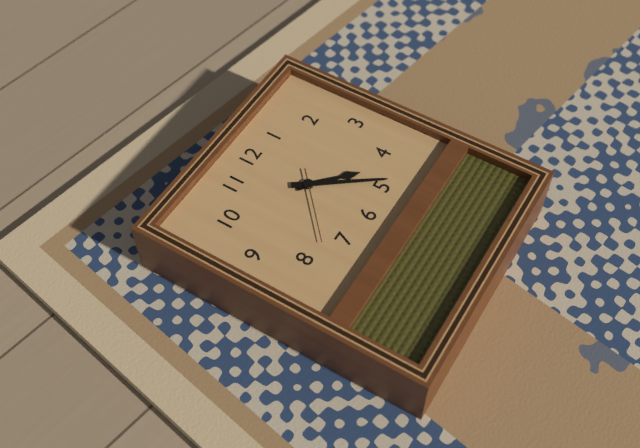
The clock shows 4.24.38
